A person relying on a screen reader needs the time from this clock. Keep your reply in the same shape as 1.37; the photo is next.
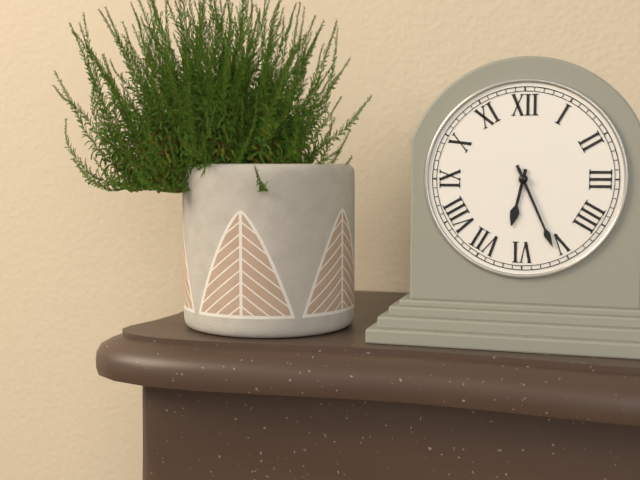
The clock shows 6.26
